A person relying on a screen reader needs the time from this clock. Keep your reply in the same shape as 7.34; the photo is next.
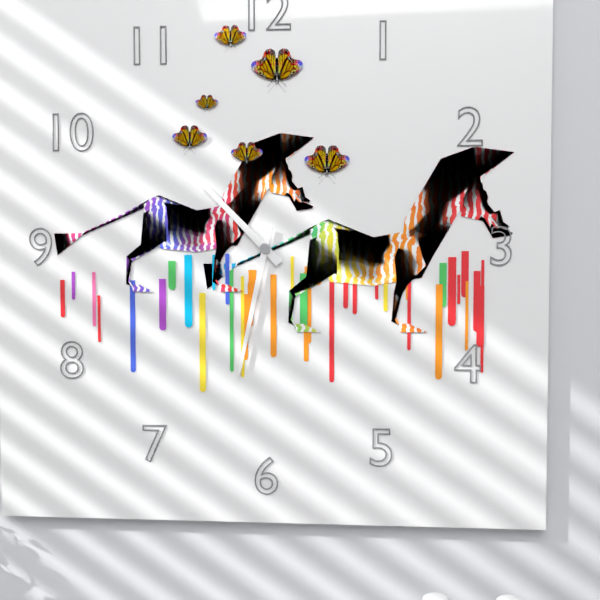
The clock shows 10.32
